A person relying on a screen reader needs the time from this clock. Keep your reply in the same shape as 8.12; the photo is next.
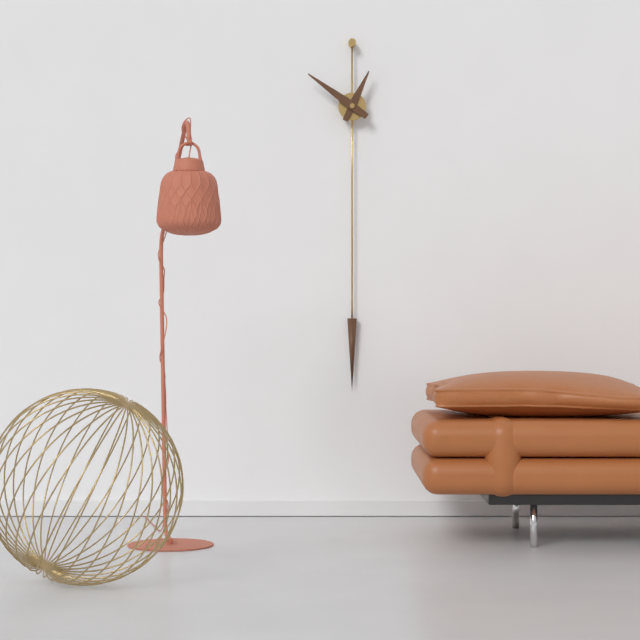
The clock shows 12.51
